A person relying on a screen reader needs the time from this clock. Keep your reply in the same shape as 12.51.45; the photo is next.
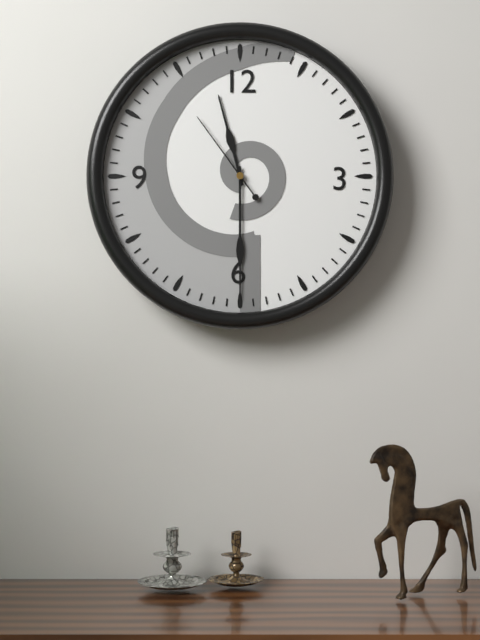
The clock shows 11.30.54
